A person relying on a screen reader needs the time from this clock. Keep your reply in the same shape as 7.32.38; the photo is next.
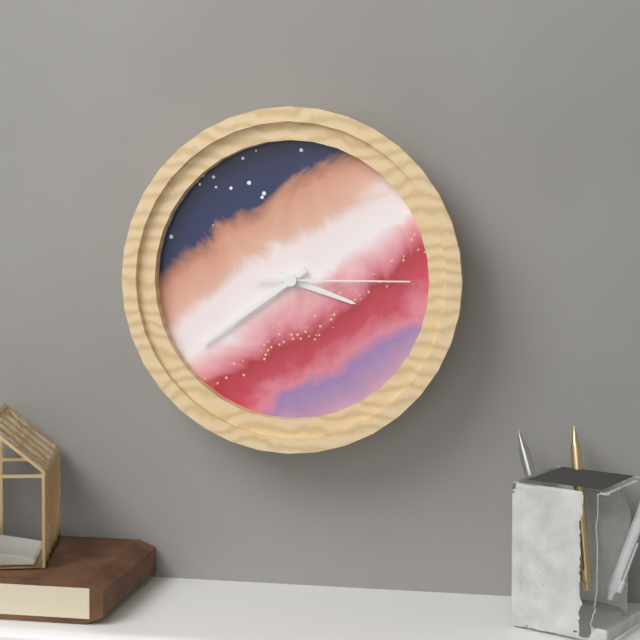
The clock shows 3.39.15
